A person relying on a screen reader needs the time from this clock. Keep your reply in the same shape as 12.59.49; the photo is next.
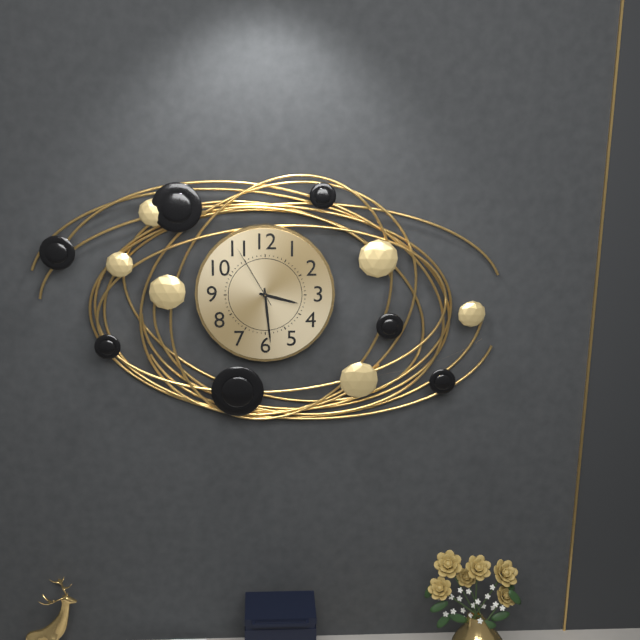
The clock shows 3.29.55
